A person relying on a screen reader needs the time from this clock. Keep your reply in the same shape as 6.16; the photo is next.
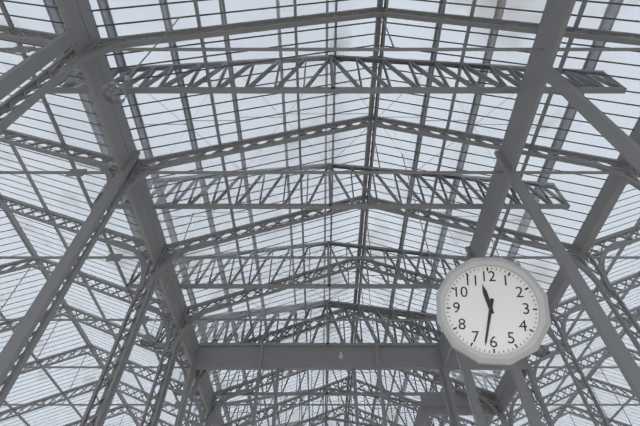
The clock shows 11.32
